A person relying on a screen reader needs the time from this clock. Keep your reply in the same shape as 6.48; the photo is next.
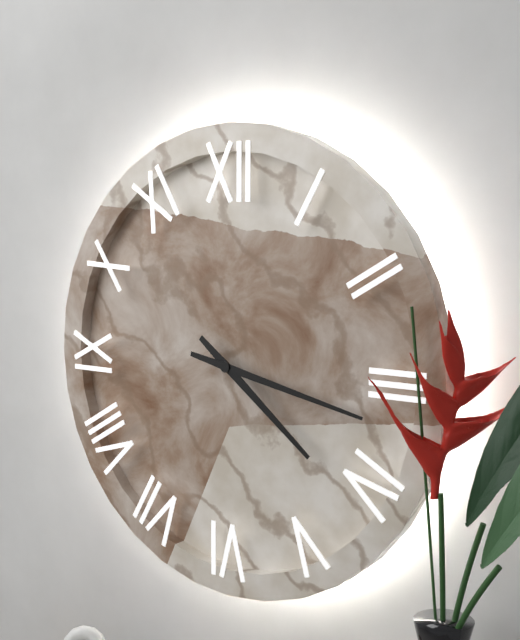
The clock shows 4.17
